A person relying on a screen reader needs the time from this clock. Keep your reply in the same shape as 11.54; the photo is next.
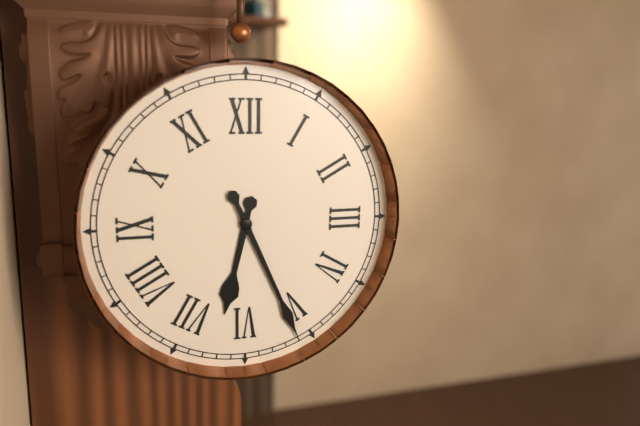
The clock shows 6.26
